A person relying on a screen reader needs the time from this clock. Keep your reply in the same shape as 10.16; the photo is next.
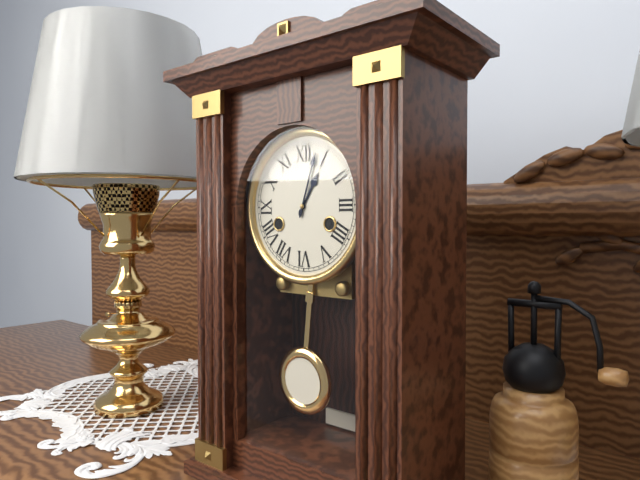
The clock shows 1.03
